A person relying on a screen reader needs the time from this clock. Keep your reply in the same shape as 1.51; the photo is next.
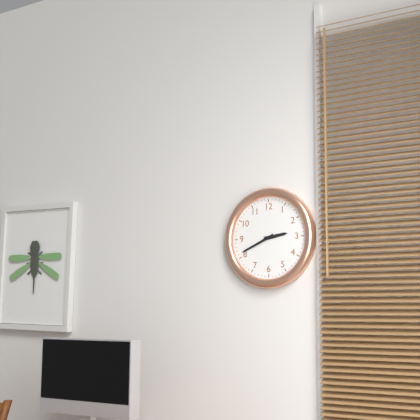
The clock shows 2.41
